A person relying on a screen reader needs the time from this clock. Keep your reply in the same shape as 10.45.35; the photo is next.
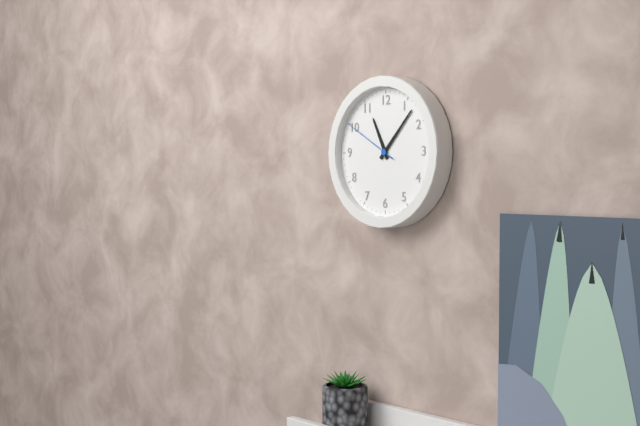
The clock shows 11.07.50
